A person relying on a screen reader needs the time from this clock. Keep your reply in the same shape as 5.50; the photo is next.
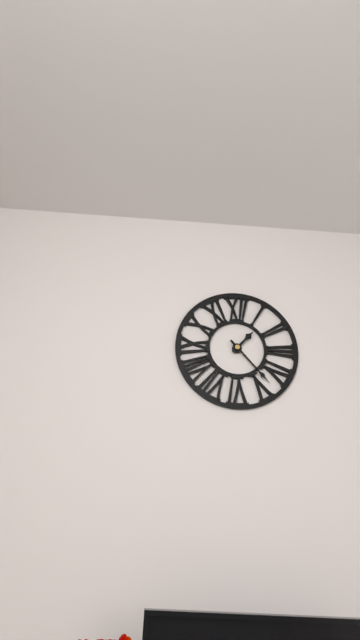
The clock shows 1.23
